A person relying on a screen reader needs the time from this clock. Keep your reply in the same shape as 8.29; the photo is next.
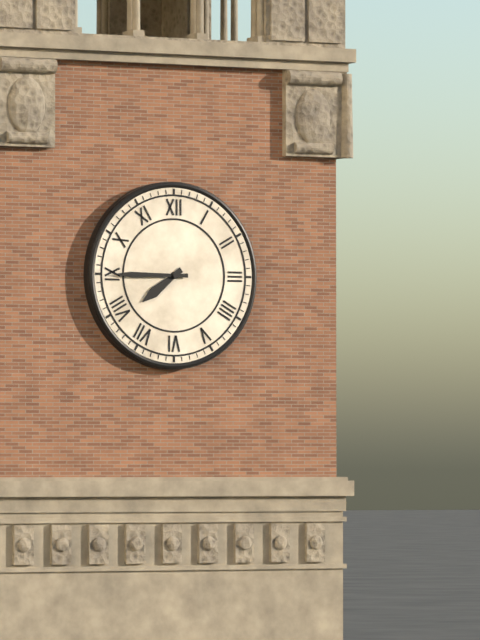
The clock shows 7.45
